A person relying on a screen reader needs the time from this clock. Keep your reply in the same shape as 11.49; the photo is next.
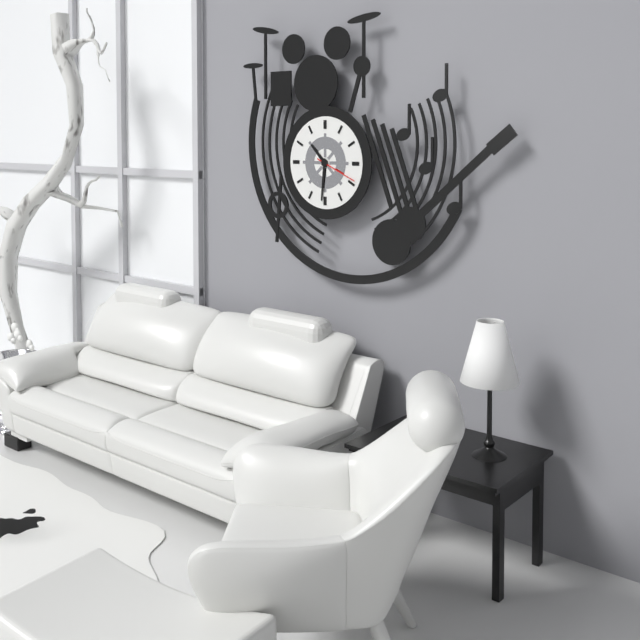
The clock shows 10.31
